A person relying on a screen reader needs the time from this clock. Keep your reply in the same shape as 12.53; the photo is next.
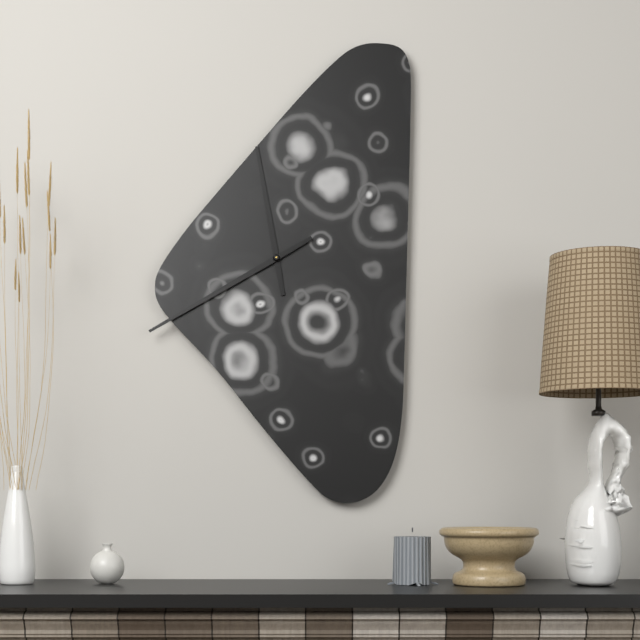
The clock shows 11.40
